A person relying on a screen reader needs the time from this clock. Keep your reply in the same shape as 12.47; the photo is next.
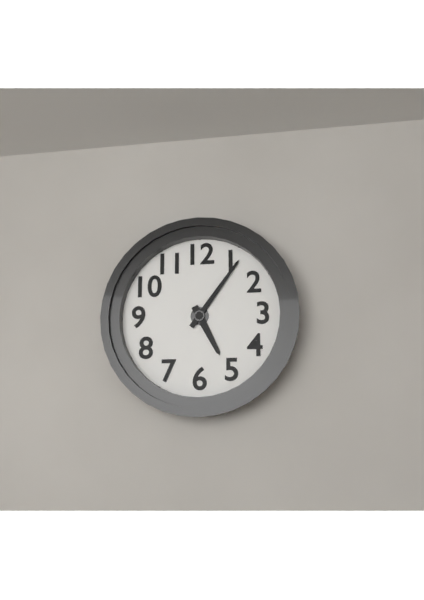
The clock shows 5.06
